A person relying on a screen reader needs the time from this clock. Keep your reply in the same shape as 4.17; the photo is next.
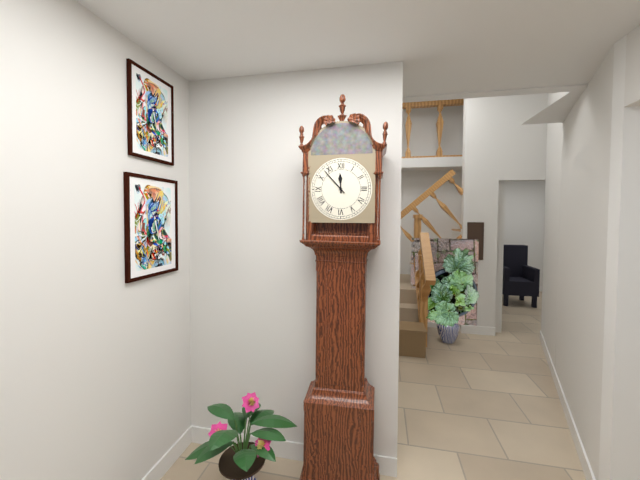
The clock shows 11.53
